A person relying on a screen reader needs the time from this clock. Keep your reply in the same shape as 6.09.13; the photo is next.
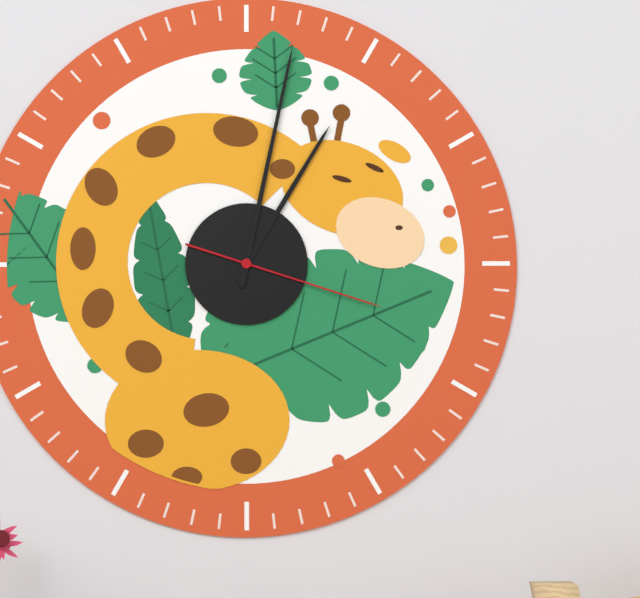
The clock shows 1.02.18
